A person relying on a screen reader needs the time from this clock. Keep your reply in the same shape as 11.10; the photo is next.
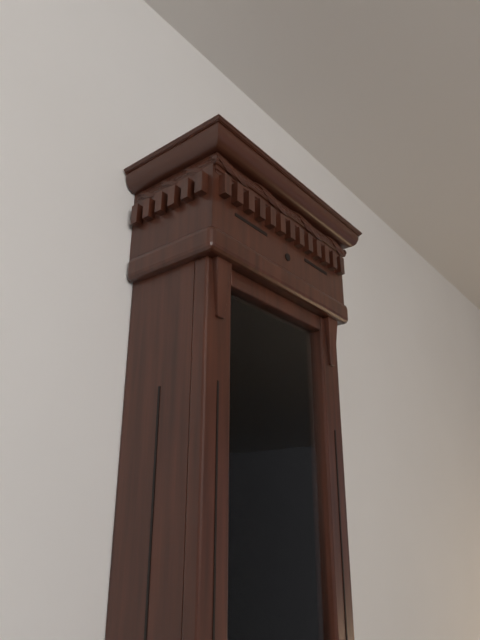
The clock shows 4.11
